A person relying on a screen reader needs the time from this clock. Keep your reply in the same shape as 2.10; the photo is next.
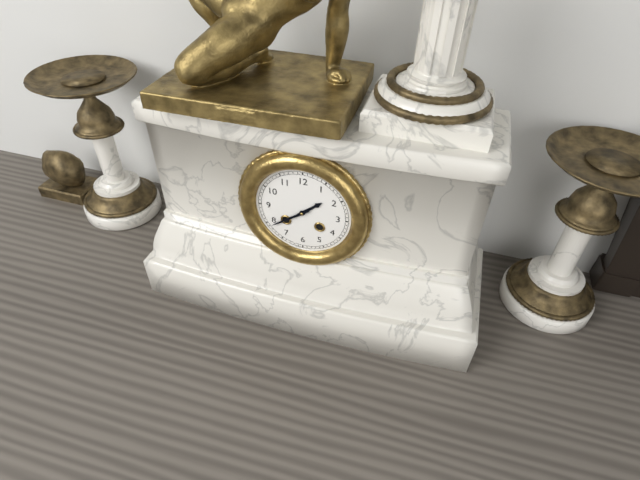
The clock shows 1.39
